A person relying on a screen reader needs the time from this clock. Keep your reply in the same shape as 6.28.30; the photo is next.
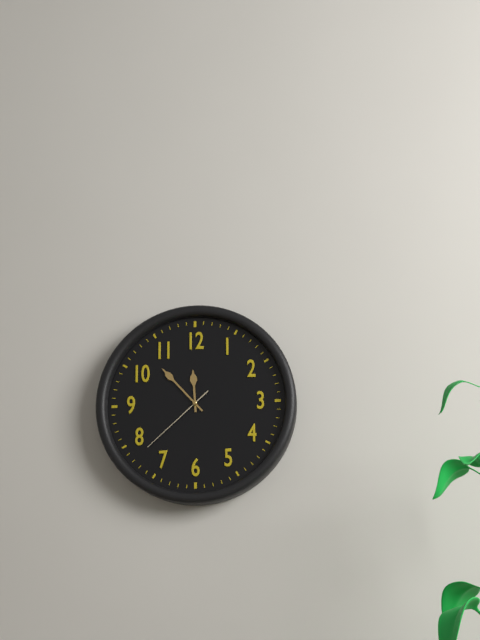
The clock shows 11.53.38
